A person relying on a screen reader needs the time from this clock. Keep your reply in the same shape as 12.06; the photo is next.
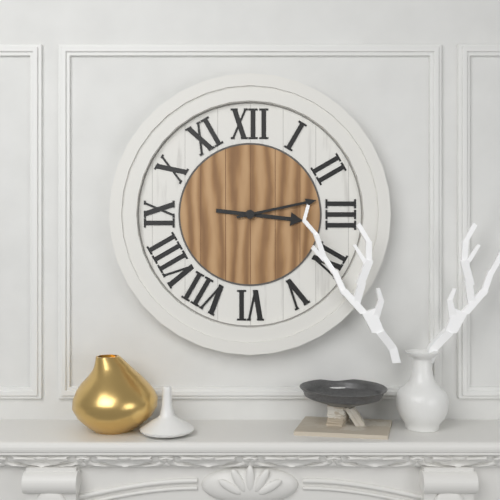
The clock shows 3.13
